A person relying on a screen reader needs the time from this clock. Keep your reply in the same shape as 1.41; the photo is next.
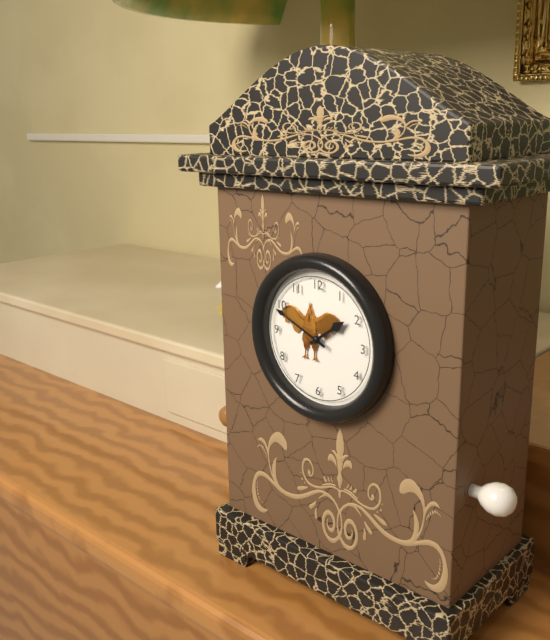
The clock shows 1.49
